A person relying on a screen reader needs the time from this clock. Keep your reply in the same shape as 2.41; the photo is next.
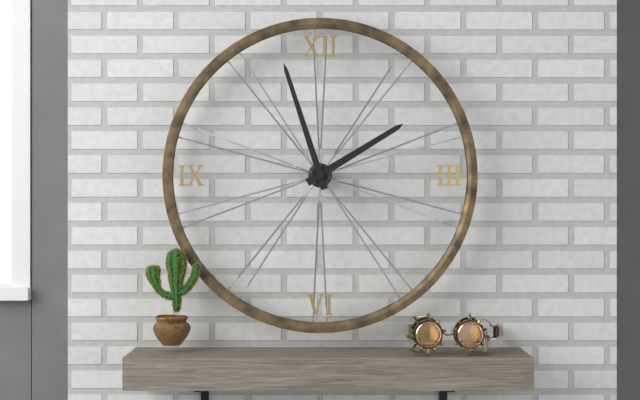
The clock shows 1.57
